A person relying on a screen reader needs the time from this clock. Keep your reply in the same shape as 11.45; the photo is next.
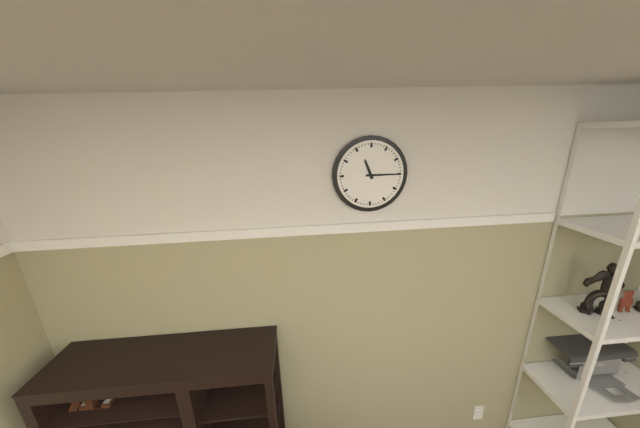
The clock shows 11.15
